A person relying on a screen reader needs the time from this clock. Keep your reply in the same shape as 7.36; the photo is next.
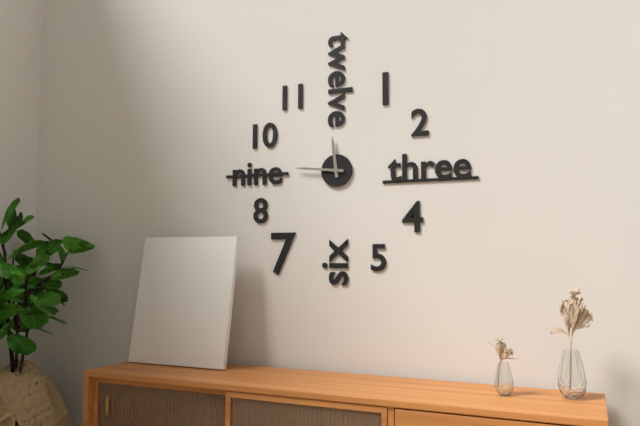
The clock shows 11.46
